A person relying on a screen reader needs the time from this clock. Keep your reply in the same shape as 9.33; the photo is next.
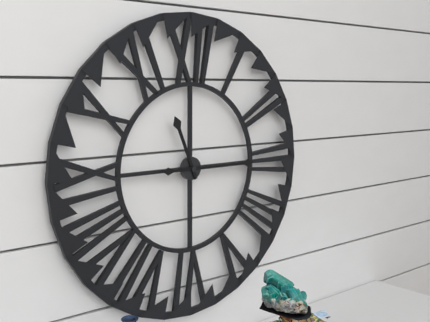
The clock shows 11.15
